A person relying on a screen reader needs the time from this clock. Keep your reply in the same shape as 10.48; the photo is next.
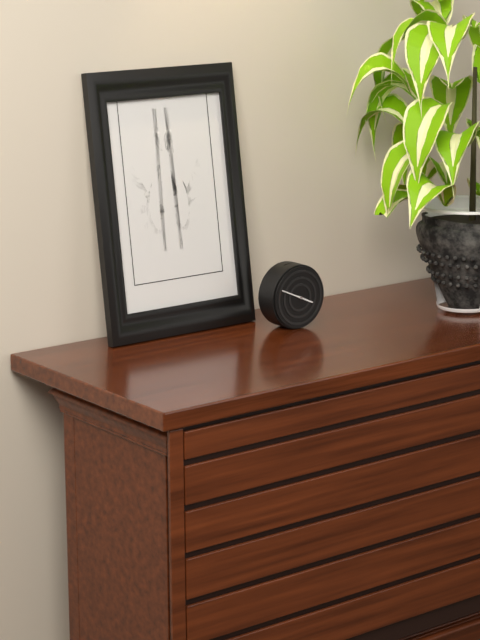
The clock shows 3.49
